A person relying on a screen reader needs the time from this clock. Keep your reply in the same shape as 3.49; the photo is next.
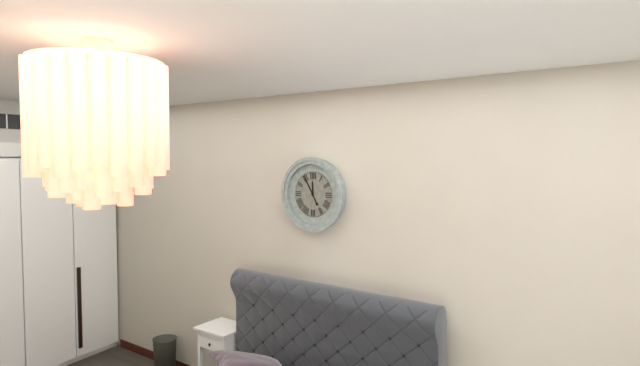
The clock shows 11.55
